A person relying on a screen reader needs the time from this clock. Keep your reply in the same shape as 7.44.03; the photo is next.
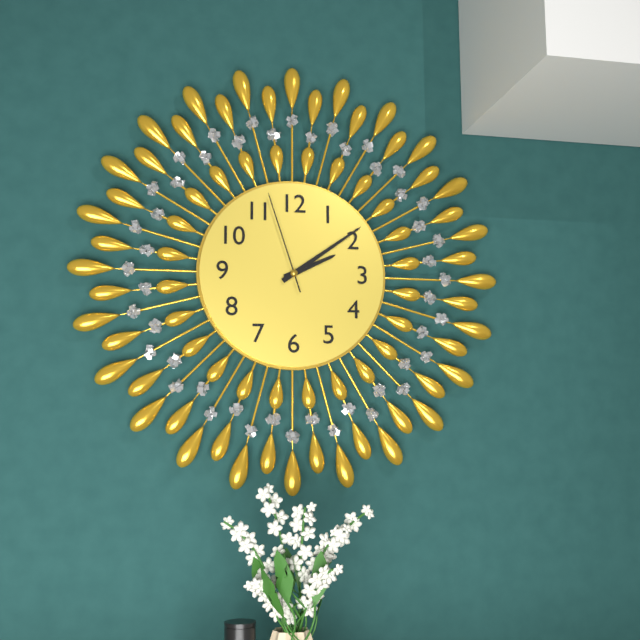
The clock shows 2.09.57
